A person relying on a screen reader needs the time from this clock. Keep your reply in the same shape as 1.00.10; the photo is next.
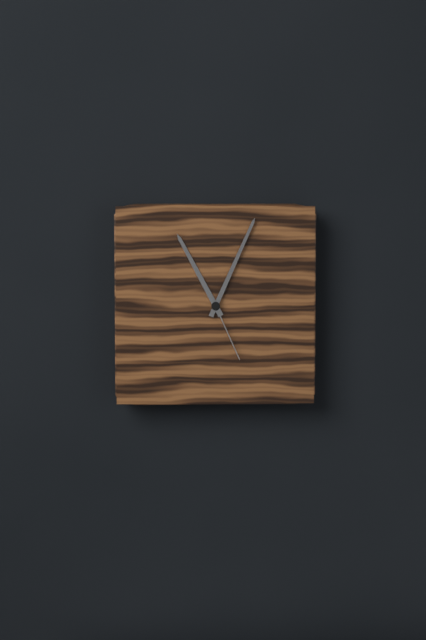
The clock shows 11.04.26
